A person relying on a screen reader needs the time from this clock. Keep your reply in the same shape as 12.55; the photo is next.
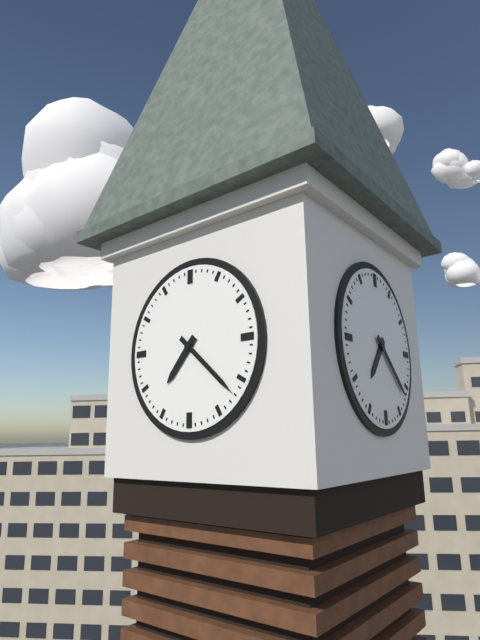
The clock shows 7.22
